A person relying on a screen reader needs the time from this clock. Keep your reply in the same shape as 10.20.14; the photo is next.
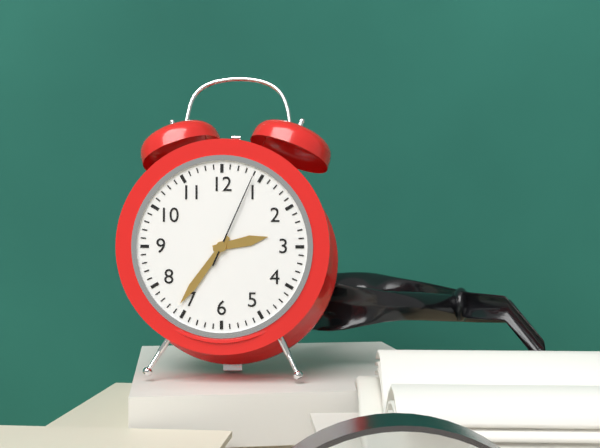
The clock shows 2.36.04
